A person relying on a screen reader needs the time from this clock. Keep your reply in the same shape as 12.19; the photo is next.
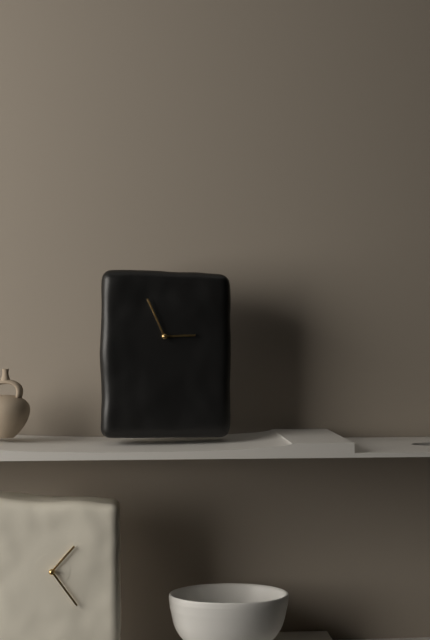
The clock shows 2.56
